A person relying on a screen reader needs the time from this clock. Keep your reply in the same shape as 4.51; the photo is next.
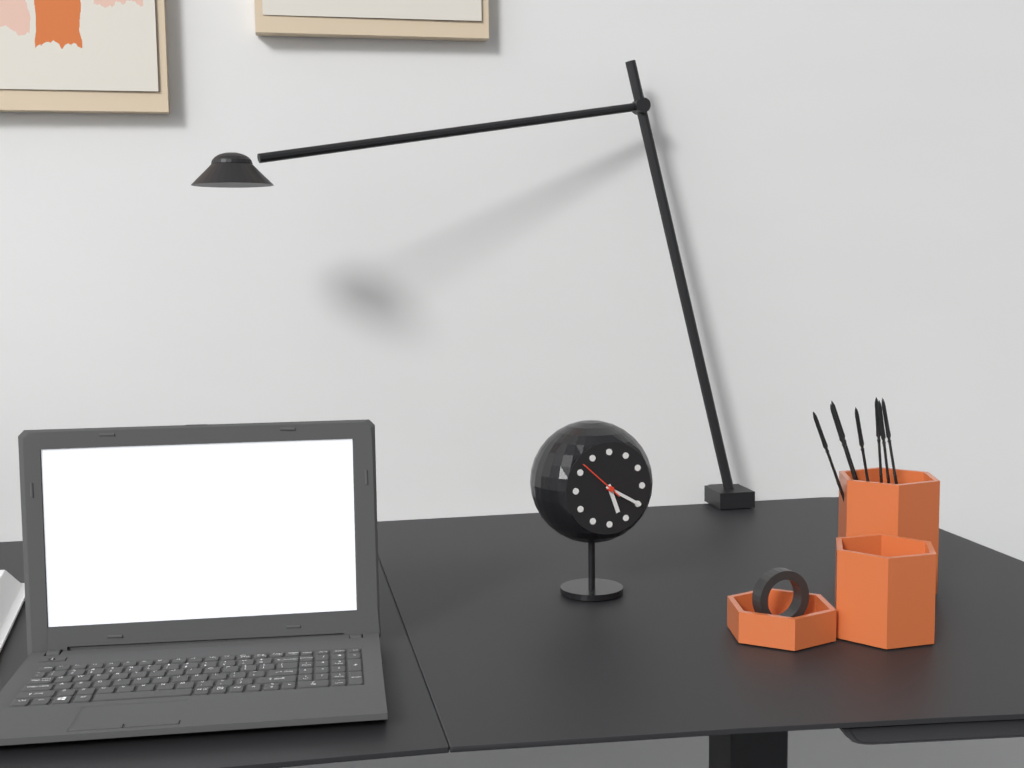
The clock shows 5.20
